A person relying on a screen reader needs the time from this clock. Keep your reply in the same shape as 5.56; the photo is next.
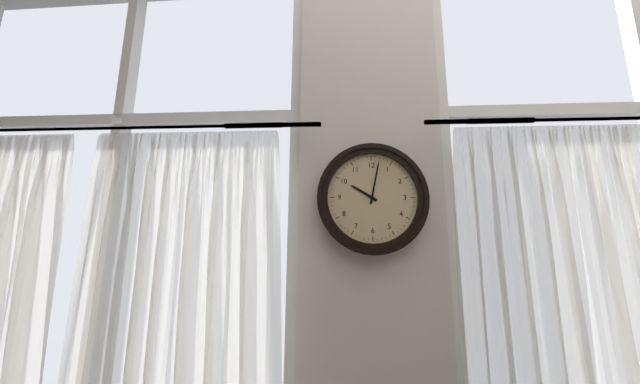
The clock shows 10.02
